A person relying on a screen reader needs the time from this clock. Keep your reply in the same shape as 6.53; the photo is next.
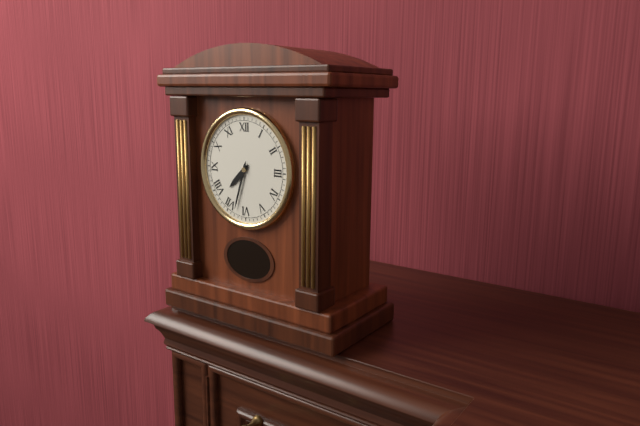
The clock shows 7.33
